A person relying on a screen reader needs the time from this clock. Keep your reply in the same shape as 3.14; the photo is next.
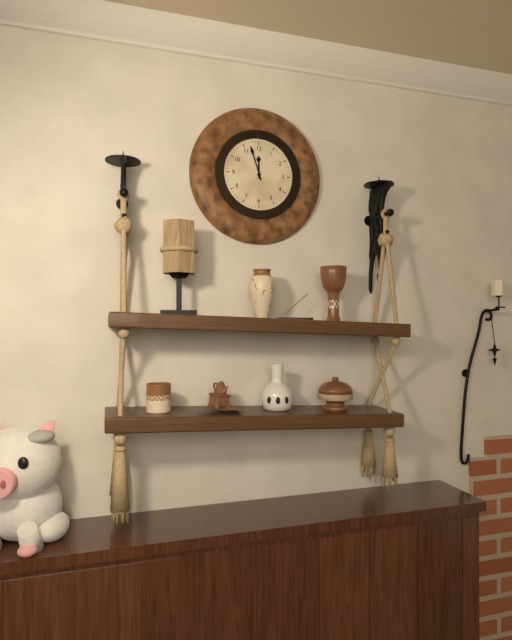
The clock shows 11.57
